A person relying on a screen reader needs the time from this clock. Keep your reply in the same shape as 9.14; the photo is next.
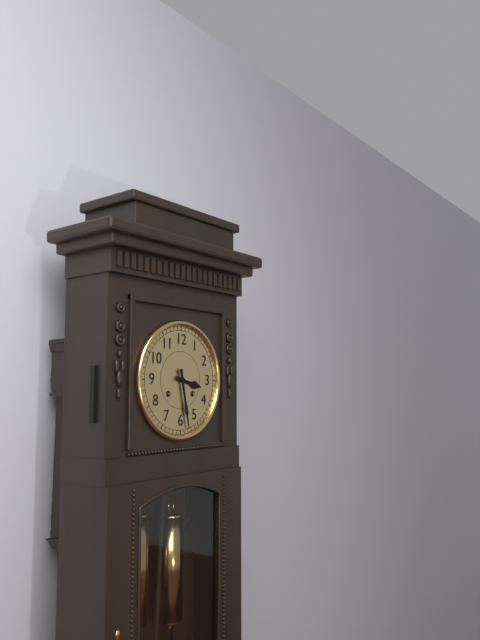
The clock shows 3.28
